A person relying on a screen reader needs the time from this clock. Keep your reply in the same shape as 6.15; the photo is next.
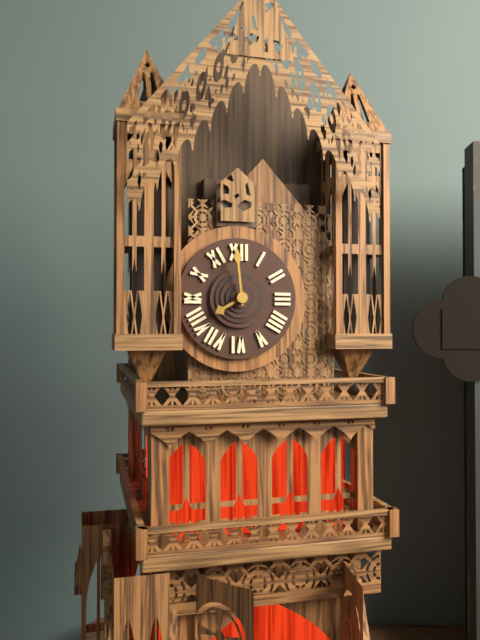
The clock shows 7.59
